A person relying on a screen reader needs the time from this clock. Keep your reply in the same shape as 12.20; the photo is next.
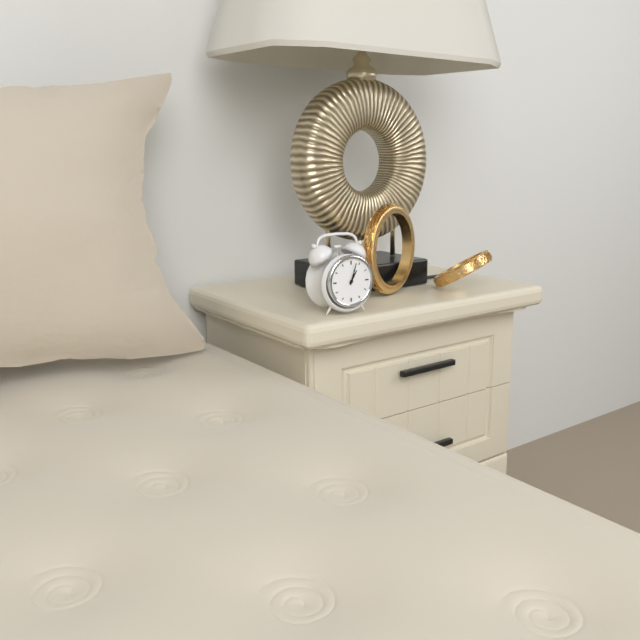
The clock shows 1.03
